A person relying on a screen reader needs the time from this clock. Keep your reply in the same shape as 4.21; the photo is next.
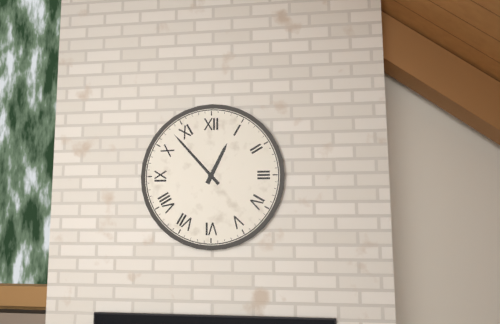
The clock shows 12.53
